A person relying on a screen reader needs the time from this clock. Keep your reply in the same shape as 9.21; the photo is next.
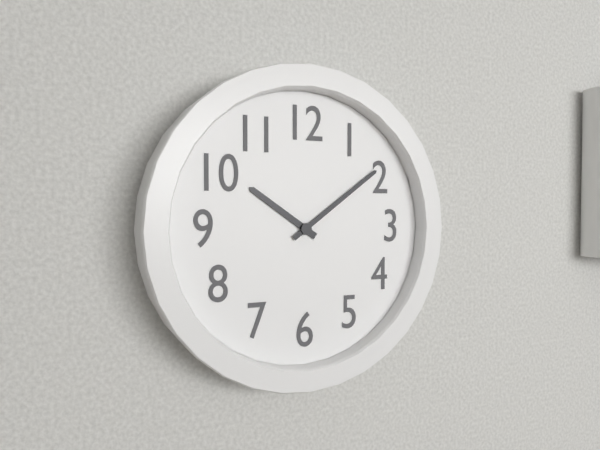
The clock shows 10.09
